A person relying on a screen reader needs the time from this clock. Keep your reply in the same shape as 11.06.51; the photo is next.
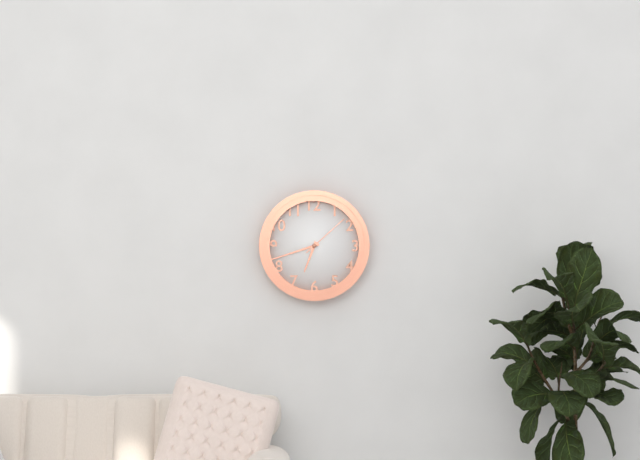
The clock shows 6.42.08
